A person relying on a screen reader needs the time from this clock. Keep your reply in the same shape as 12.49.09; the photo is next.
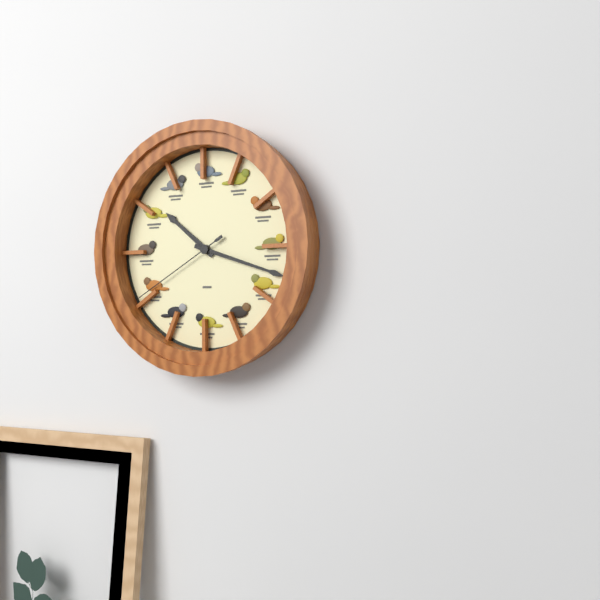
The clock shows 10.18.40
